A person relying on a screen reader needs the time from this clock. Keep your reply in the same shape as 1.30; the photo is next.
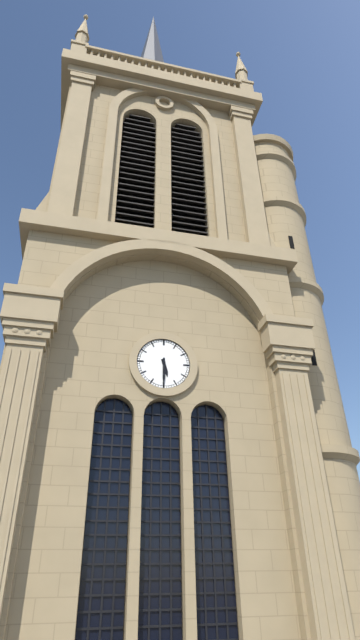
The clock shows 5.30
